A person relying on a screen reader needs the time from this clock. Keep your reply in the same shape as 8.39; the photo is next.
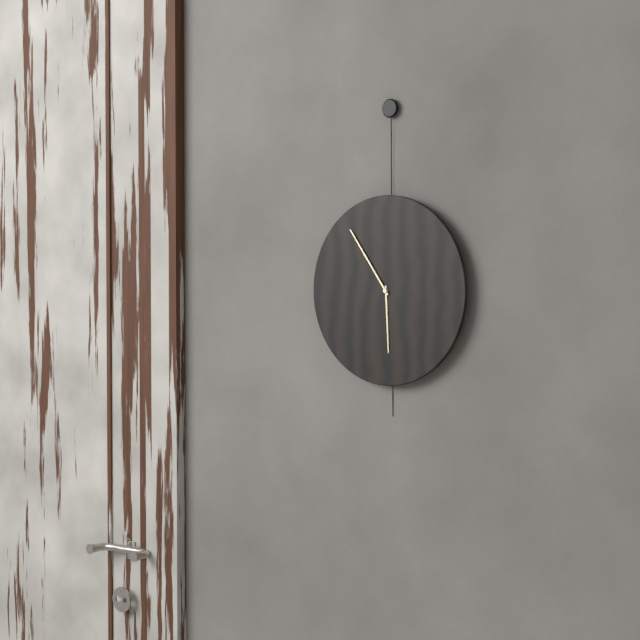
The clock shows 5.54
